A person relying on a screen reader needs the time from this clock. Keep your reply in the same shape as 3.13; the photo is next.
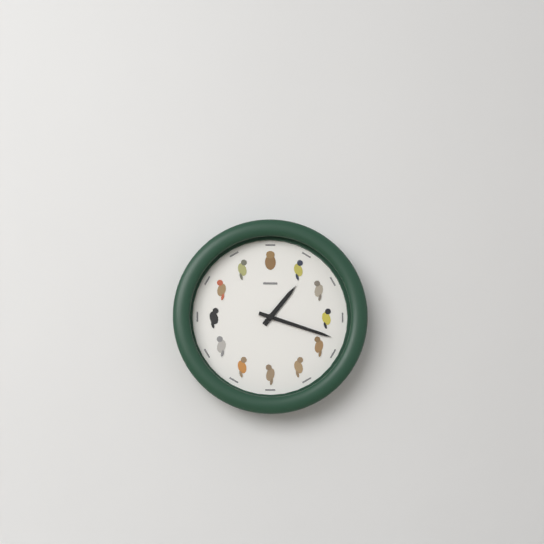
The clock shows 1.18
